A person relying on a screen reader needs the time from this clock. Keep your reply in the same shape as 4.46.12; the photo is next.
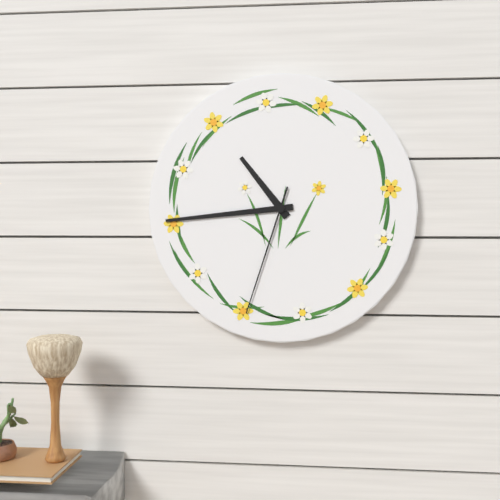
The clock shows 10.44.33
